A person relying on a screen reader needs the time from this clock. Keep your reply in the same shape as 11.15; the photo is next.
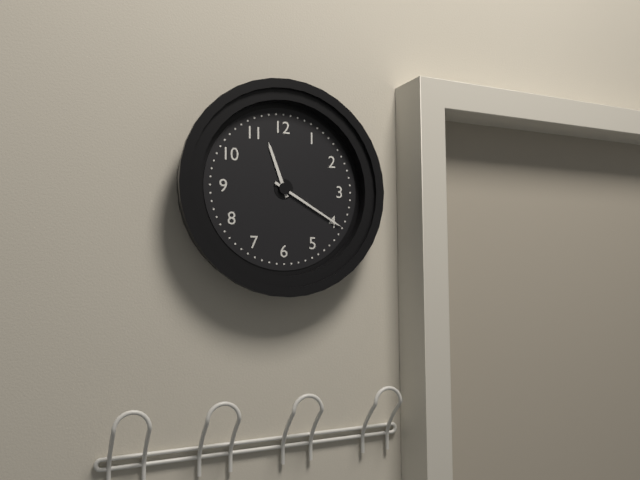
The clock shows 11.20
